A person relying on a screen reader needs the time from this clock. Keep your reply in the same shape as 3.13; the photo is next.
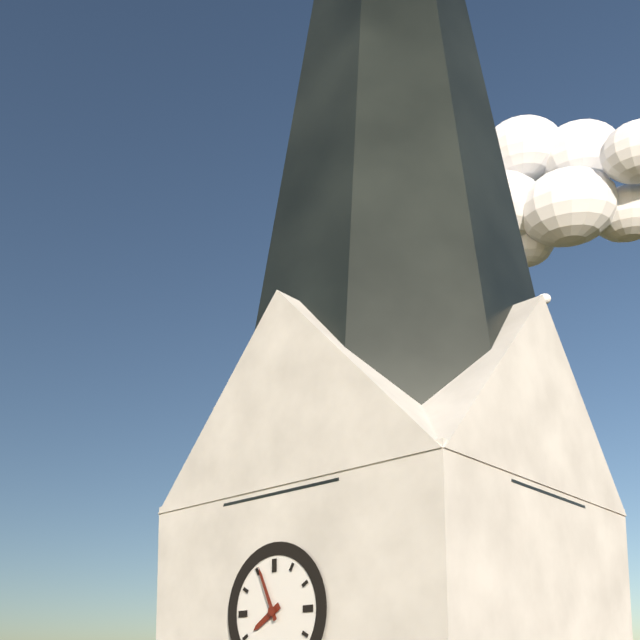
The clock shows 7.56
